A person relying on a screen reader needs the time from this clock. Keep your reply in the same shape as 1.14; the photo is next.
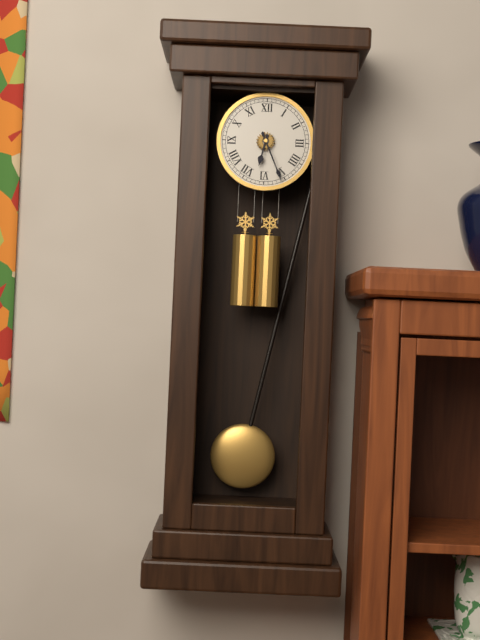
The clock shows 6.26
